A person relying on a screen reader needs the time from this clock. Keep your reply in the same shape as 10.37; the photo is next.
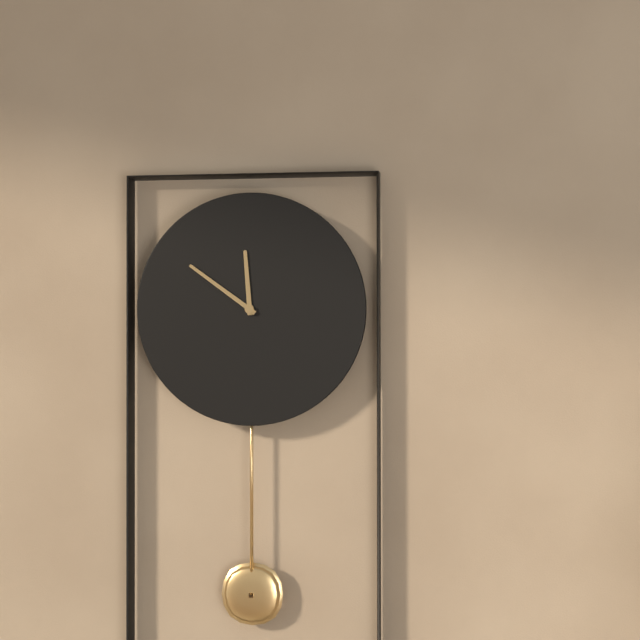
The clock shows 11.51
